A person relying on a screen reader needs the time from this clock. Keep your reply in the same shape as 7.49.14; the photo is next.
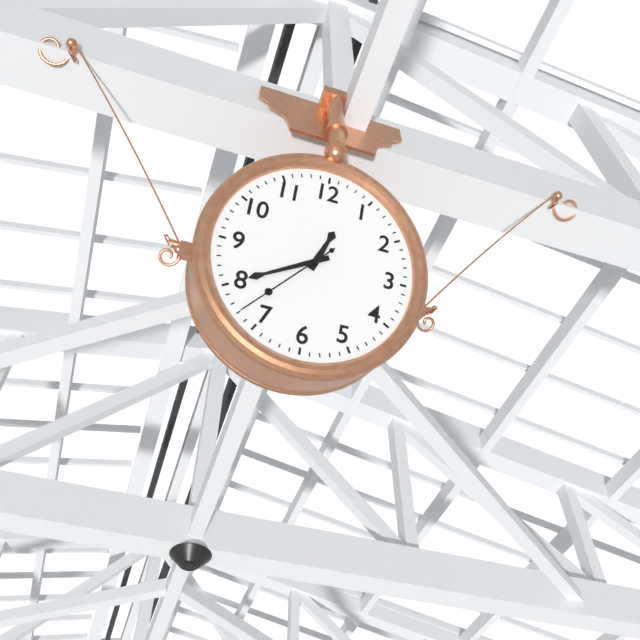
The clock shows 12.40.37
